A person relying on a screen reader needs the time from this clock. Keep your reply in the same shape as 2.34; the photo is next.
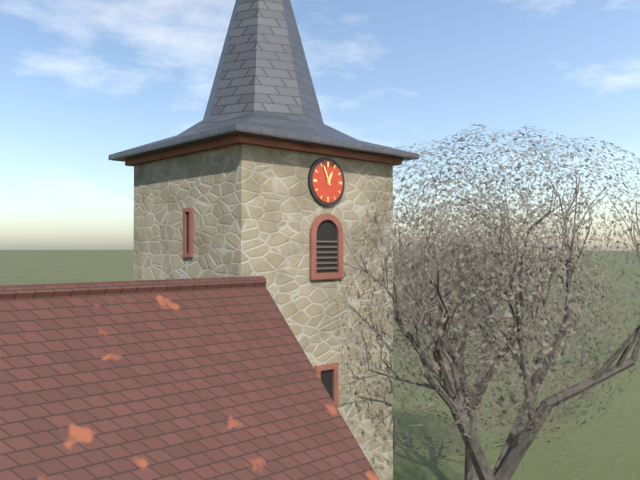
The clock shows 12.56
